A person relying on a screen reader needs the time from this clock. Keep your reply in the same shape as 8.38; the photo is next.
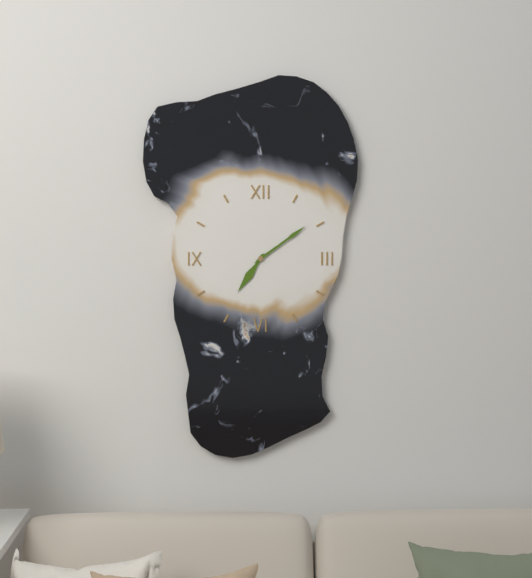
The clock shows 7.09
